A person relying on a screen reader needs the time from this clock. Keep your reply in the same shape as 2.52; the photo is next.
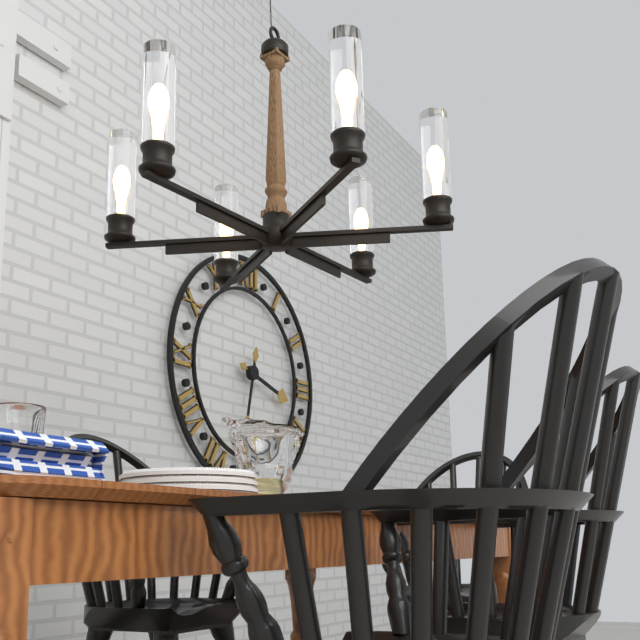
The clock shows 3.32
